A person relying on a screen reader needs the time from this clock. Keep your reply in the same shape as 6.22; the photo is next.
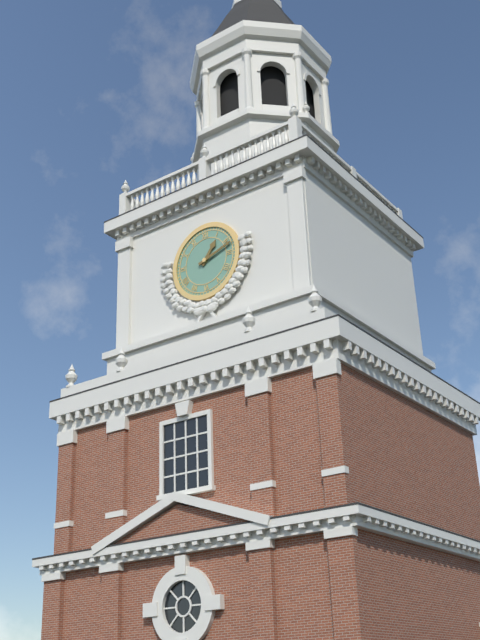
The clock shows 1.12
